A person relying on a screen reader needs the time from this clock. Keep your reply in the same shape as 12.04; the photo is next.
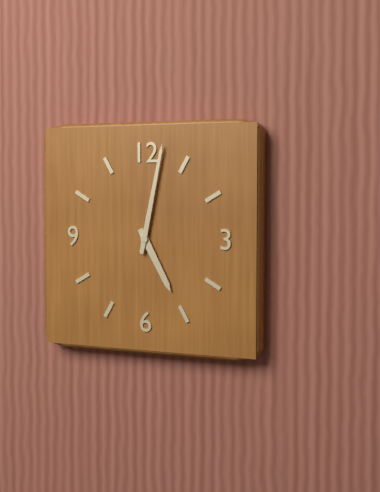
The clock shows 5.02
